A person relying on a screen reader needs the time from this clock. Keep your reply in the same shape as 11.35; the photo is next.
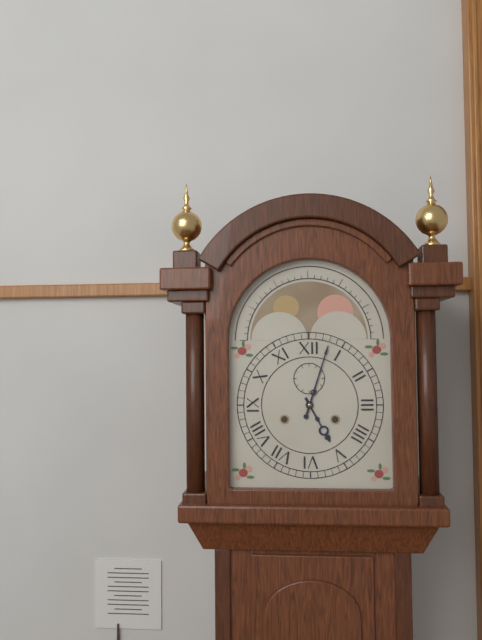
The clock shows 5.03
